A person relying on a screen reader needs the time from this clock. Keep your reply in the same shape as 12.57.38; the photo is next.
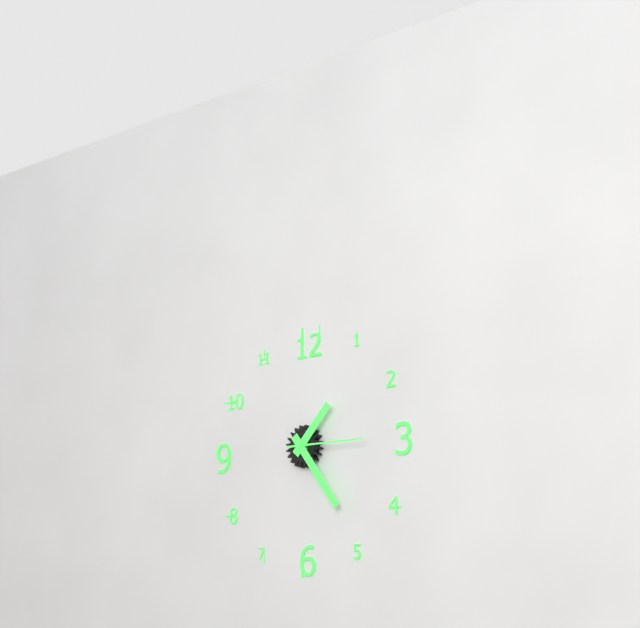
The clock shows 1.24.15
